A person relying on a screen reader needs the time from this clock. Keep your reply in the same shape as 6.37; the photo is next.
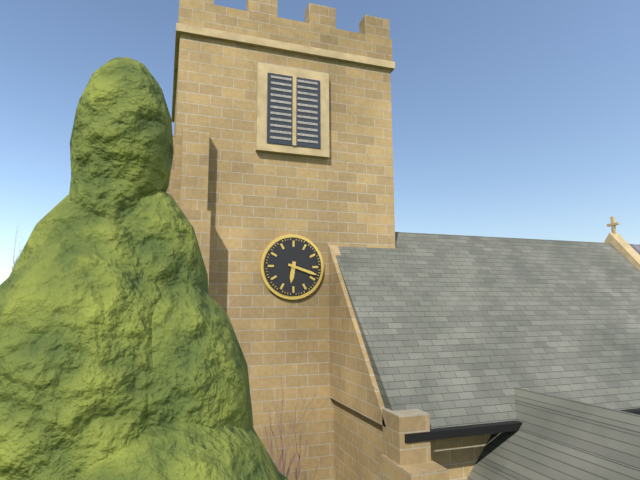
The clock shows 6.18
